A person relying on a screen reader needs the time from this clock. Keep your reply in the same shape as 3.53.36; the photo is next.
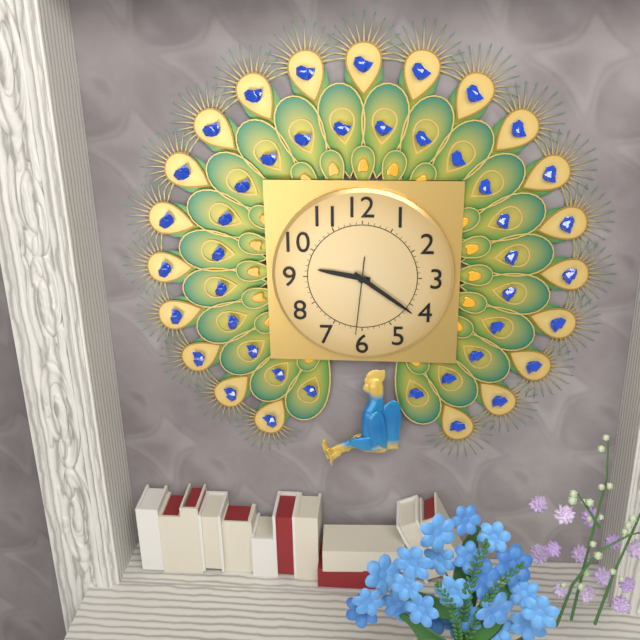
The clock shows 9.21.31
